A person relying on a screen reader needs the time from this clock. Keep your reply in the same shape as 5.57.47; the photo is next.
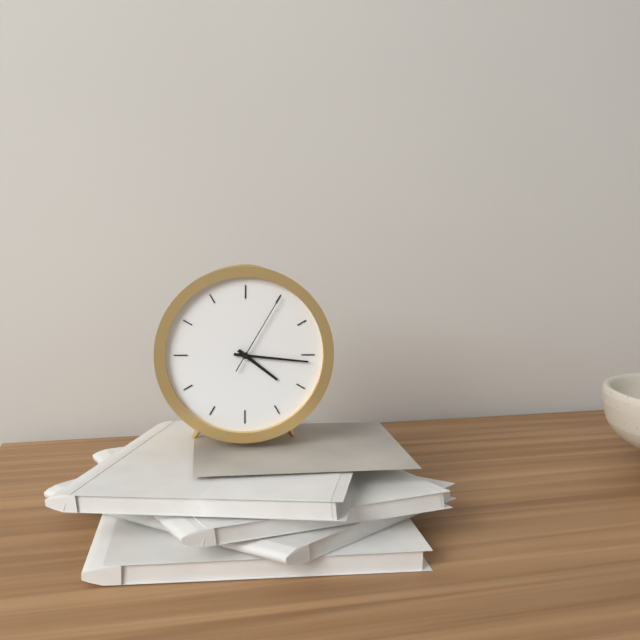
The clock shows 4.16.05
